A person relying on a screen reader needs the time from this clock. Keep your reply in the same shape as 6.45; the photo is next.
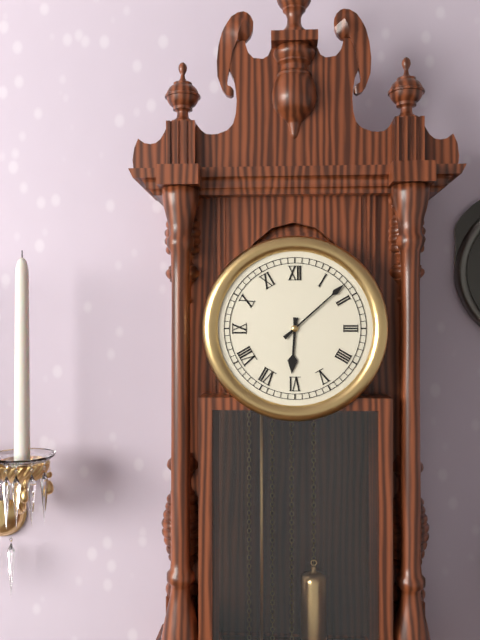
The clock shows 6.08
